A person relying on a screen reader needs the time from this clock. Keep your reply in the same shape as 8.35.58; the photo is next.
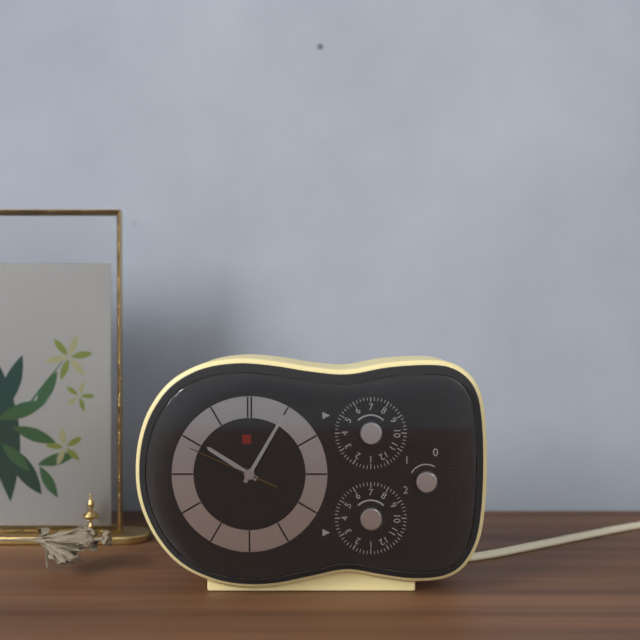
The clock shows 10.05.49
